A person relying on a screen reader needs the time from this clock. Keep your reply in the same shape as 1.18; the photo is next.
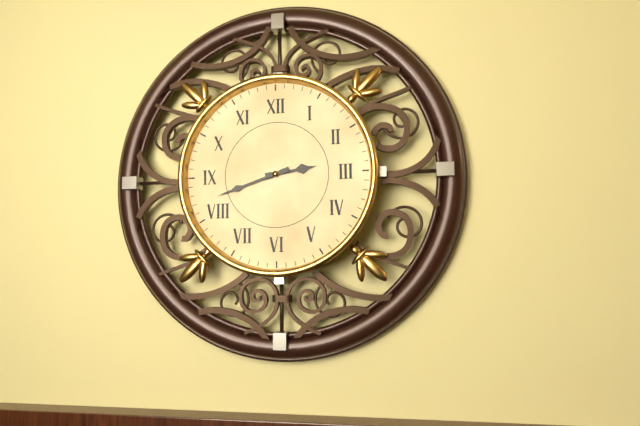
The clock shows 2.42
